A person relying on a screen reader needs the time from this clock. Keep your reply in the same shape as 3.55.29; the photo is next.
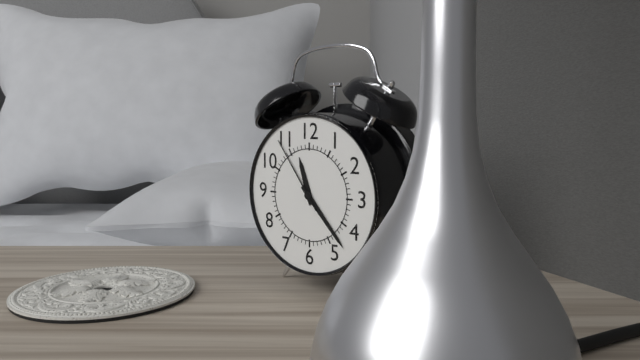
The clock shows 11.23.54
